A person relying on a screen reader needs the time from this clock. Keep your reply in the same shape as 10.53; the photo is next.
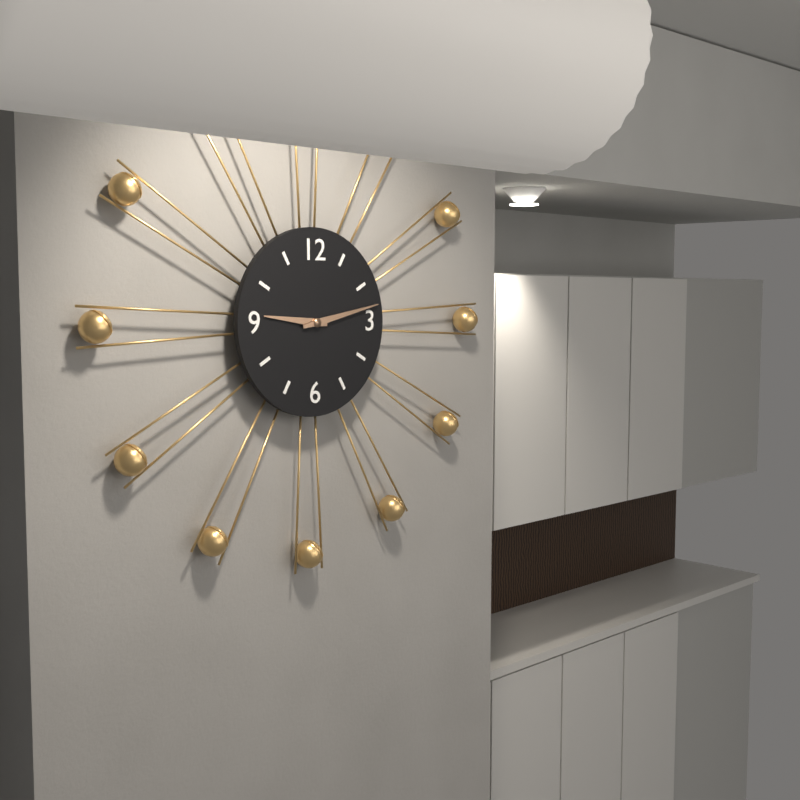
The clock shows 9.13
